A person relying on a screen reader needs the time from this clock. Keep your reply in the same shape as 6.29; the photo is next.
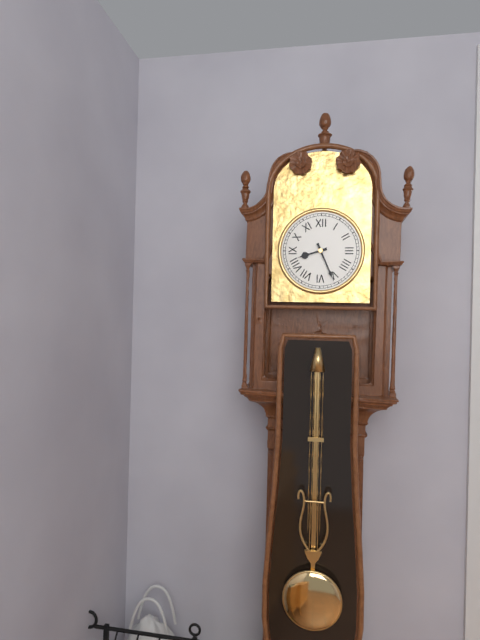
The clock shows 8.26
